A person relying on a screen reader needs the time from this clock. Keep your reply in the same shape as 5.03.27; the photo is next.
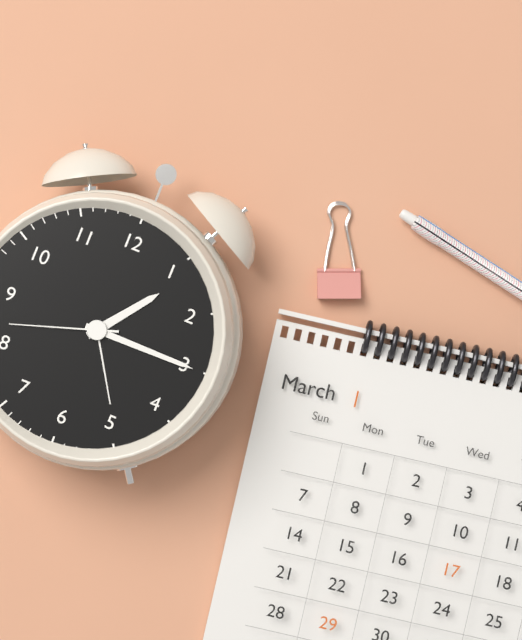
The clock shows 1.15.42
